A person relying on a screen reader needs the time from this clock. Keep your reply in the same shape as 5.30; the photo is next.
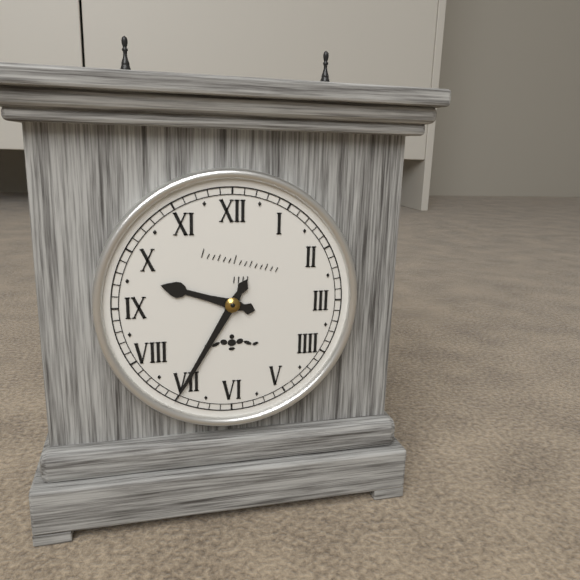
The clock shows 9.35
